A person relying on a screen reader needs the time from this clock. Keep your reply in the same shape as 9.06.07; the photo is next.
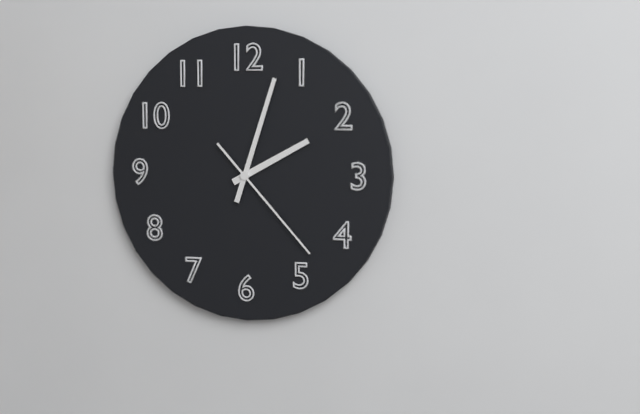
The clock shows 2.03.23
